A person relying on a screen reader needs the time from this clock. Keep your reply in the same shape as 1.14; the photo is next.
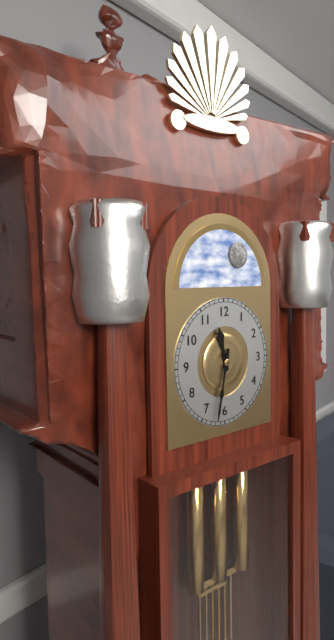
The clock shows 11.32
